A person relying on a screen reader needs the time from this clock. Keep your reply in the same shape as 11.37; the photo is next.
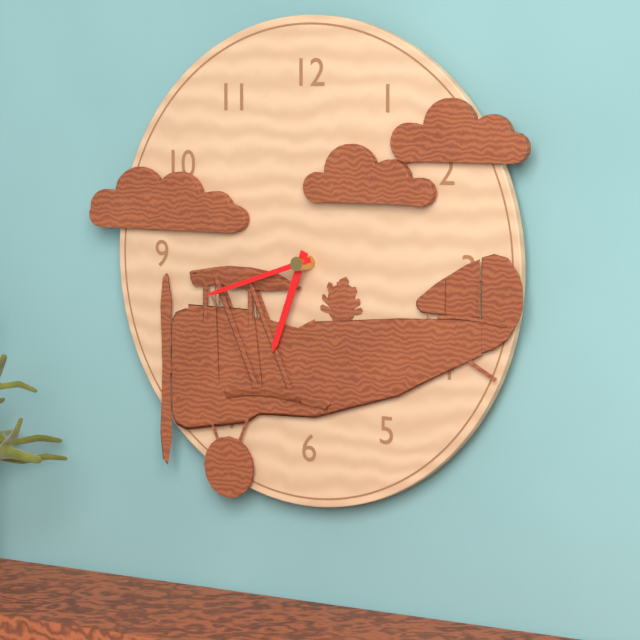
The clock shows 6.42
